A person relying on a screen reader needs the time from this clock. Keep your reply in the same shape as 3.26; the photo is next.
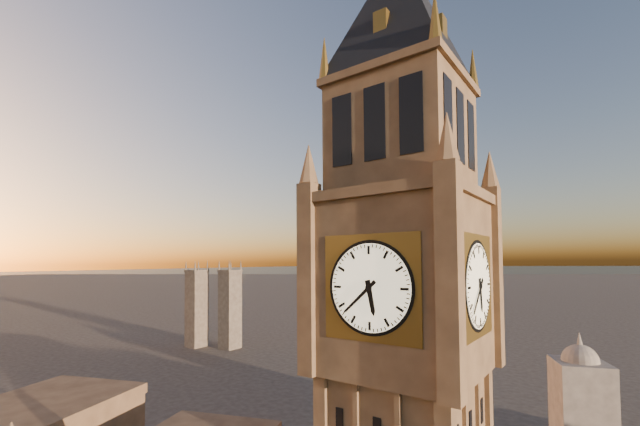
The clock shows 5.38
